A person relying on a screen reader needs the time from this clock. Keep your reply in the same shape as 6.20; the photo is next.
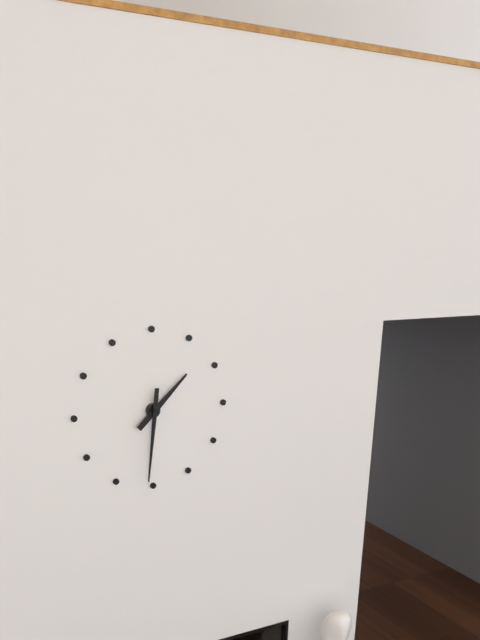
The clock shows 1.31
